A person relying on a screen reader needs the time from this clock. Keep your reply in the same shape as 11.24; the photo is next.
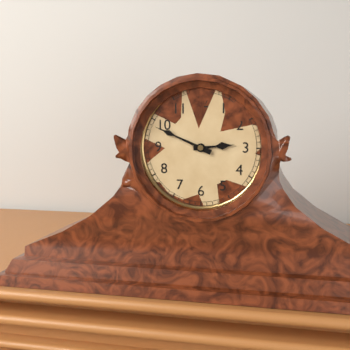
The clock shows 2.49
